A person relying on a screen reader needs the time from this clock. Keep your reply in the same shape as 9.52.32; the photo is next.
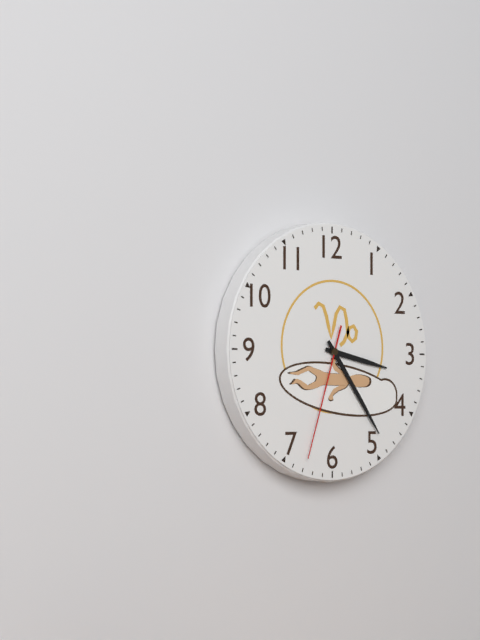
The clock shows 3.24.33
